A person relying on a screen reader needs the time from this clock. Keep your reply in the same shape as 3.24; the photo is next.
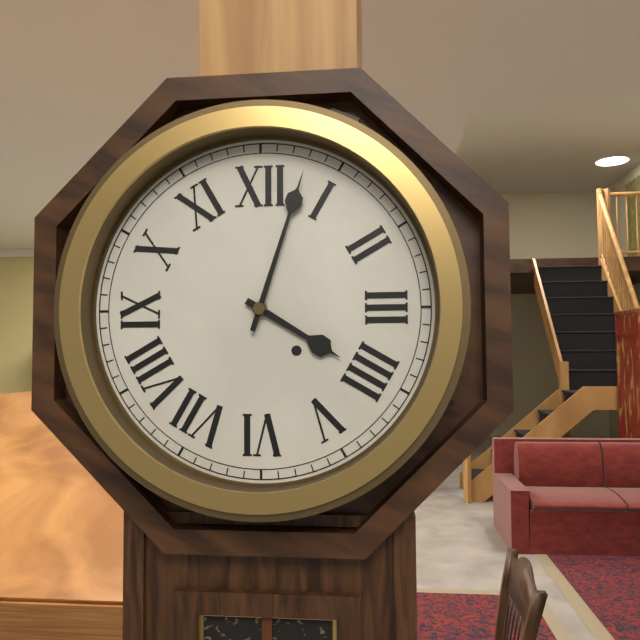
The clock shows 4.03
